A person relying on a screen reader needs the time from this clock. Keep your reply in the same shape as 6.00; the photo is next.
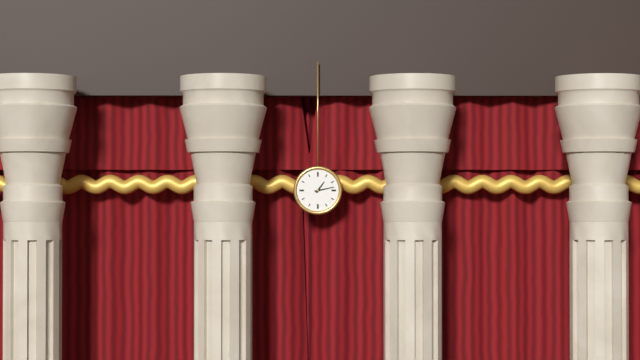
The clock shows 1.13
